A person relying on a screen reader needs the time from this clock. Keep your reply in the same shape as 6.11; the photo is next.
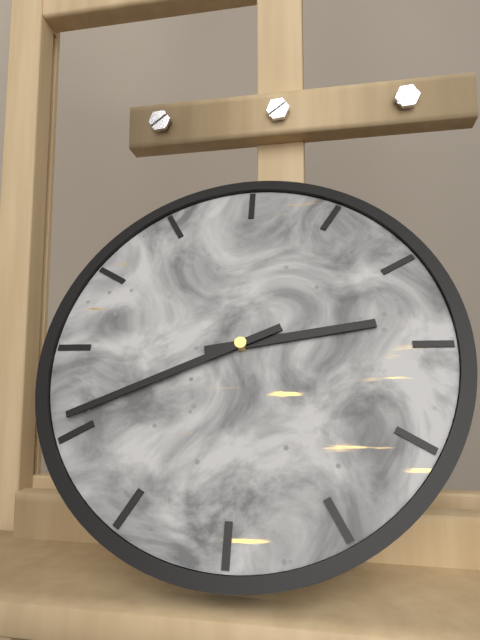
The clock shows 2.41
